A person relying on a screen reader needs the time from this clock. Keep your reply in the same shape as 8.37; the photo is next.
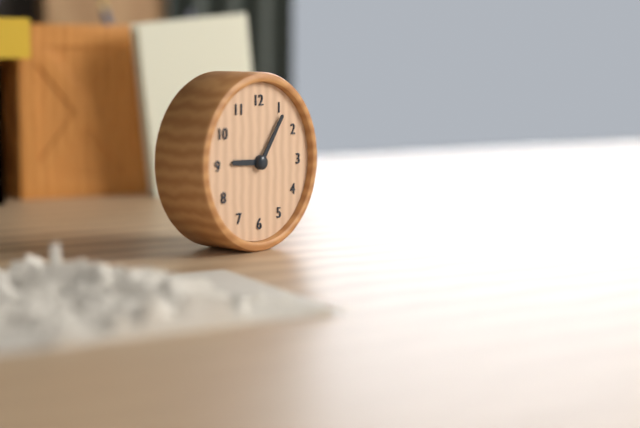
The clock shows 9.06
